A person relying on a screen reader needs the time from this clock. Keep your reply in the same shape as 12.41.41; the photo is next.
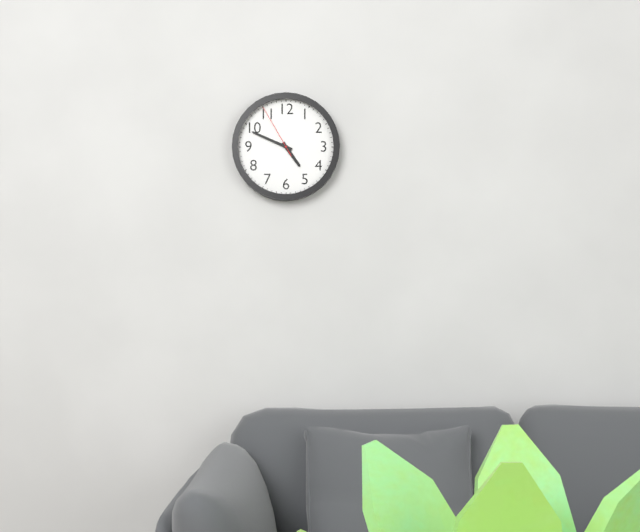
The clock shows 4.49.55
